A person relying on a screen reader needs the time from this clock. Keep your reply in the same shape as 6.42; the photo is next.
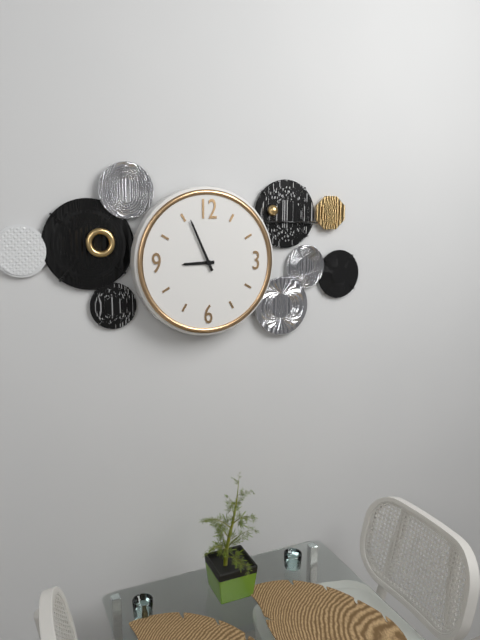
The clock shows 8.56
